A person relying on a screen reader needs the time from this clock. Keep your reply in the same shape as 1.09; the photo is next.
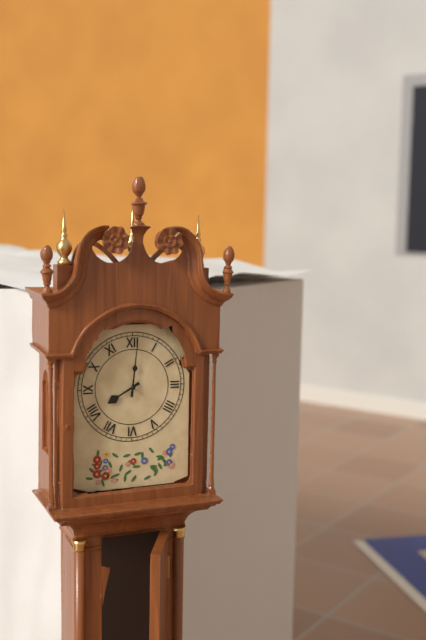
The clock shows 8.01
